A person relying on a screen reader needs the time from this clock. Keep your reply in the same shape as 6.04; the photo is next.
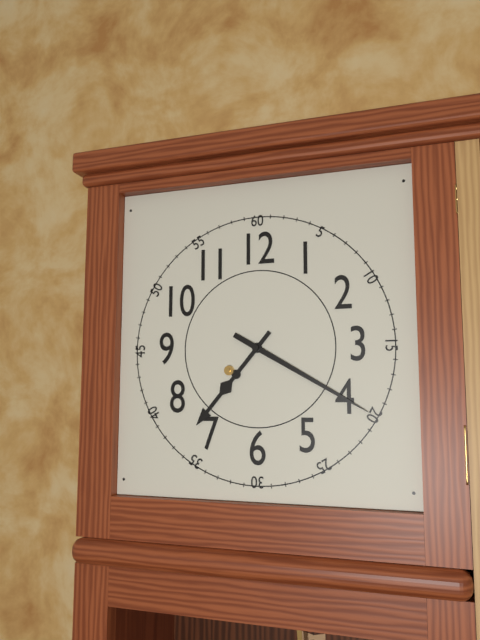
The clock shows 7.20
